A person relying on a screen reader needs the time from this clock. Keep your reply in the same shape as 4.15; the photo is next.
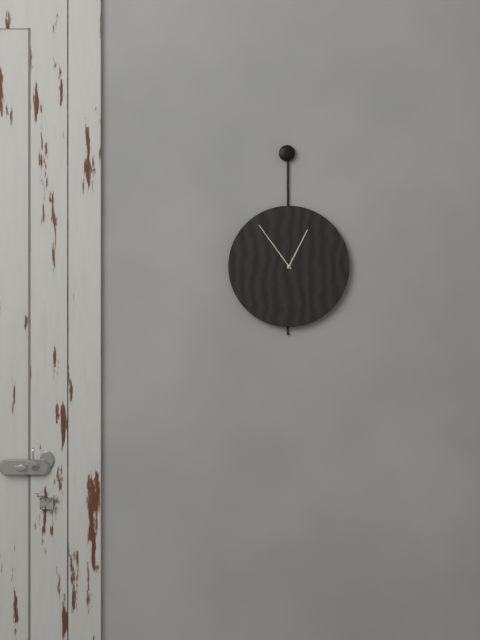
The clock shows 12.54
